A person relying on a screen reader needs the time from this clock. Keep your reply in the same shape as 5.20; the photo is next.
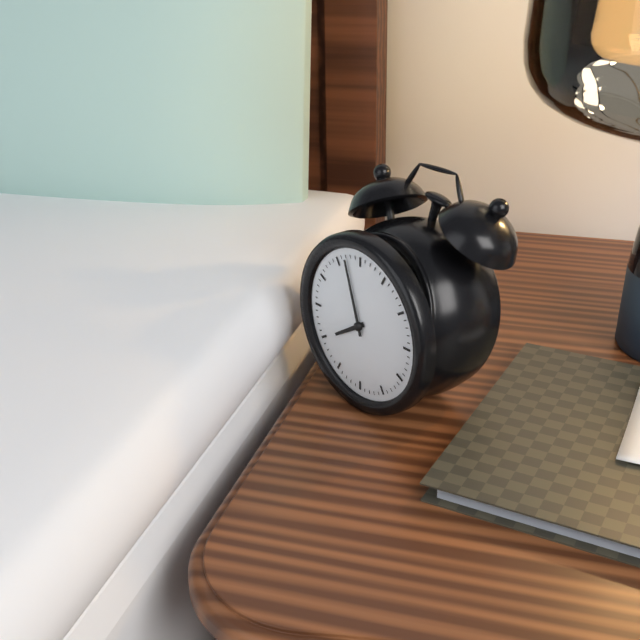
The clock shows 7.57
